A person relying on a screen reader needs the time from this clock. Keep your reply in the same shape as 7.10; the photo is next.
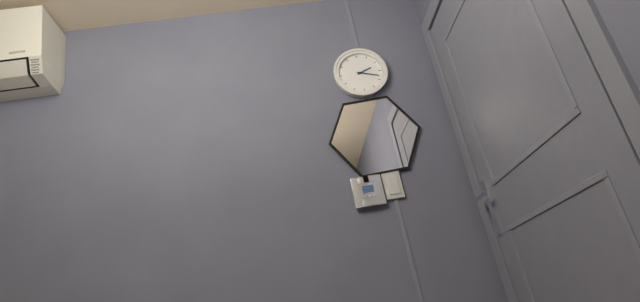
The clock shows 2.18
